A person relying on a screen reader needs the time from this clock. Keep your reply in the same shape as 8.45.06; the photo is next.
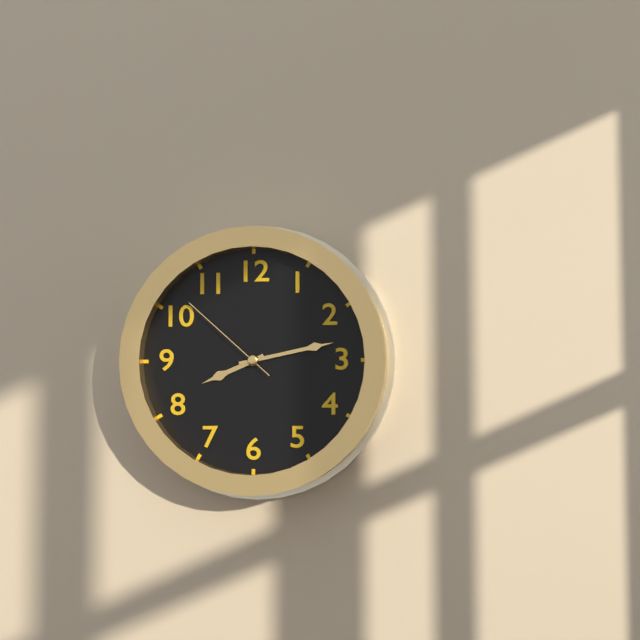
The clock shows 8.13.52
